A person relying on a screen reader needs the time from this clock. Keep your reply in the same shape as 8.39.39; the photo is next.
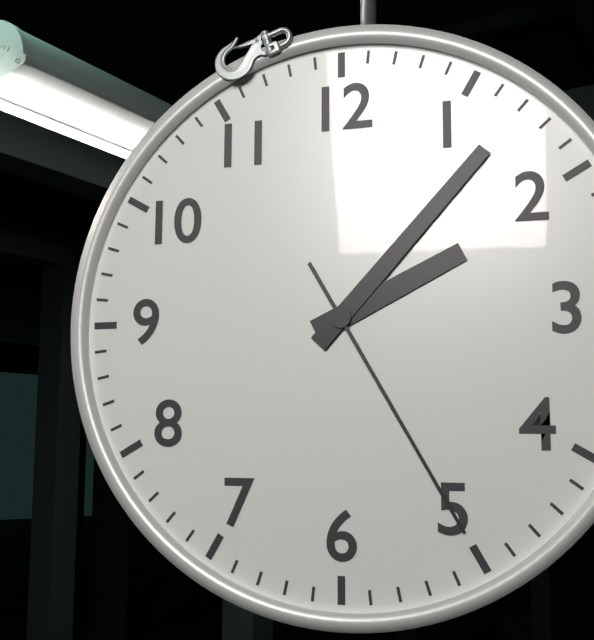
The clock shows 2.07.25
